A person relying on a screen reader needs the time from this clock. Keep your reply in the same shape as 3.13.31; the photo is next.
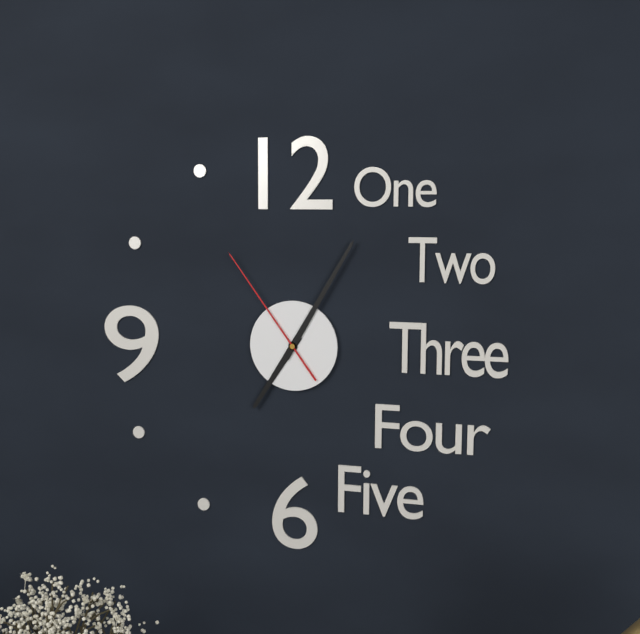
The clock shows 7.05.54
